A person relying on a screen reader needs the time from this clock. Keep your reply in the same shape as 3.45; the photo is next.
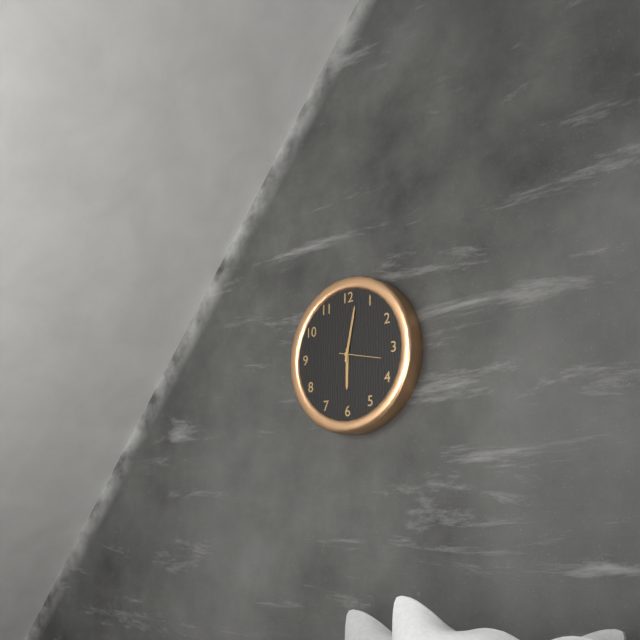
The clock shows 6.02
